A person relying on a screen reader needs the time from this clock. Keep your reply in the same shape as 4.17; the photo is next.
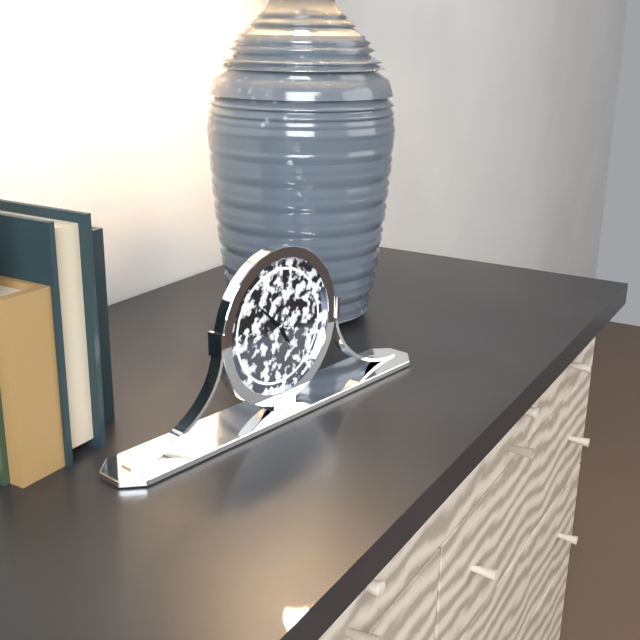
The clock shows 4.52
